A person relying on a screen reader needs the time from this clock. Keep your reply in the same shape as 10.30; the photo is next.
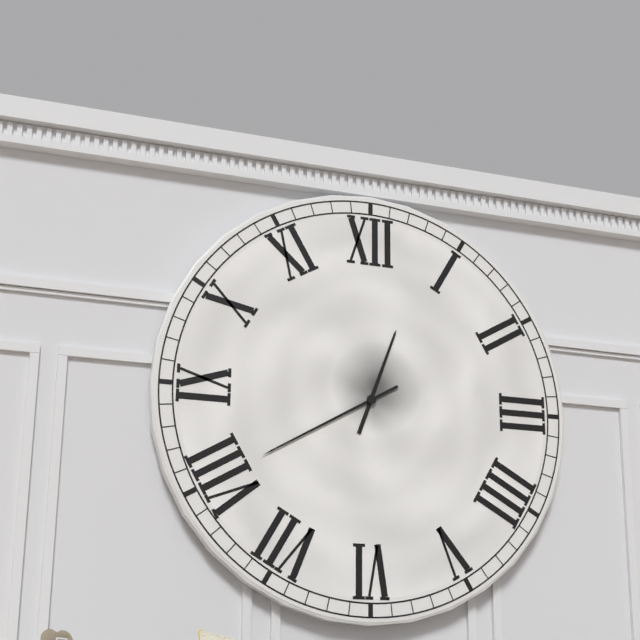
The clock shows 12.40
